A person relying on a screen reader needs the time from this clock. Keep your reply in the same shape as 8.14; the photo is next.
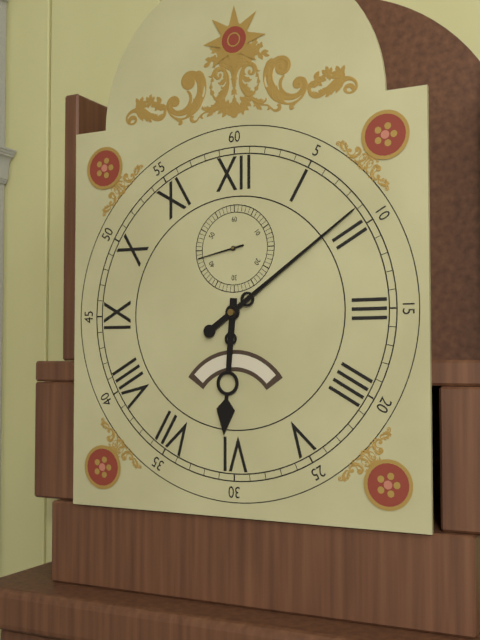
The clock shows 6.09
